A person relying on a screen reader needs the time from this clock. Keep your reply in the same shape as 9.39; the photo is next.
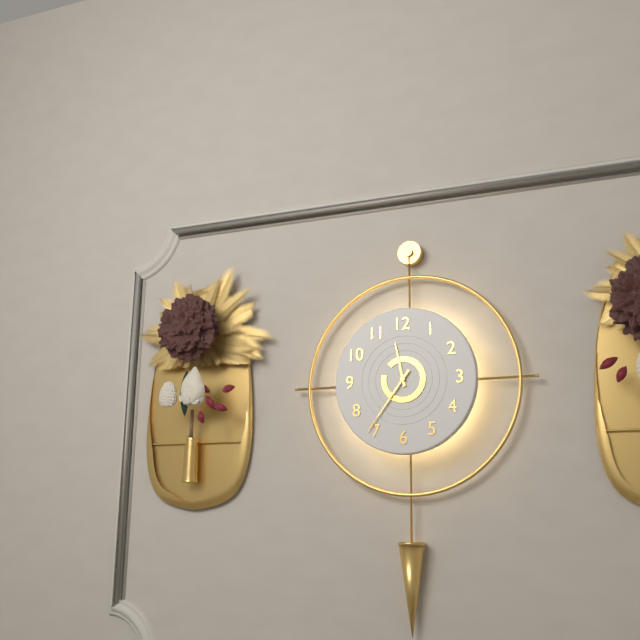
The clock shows 11.36
